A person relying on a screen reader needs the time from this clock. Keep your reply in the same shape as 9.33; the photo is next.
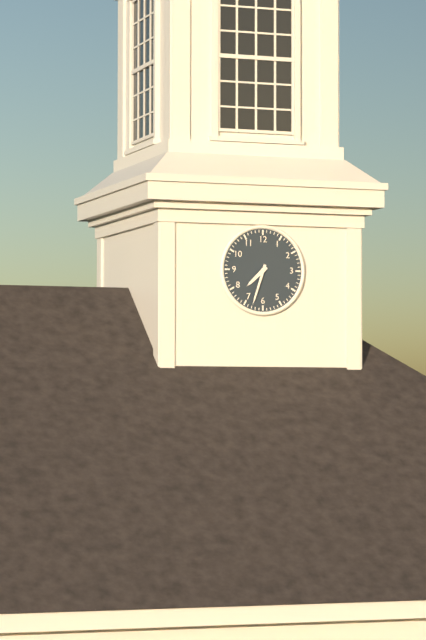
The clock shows 7.33
